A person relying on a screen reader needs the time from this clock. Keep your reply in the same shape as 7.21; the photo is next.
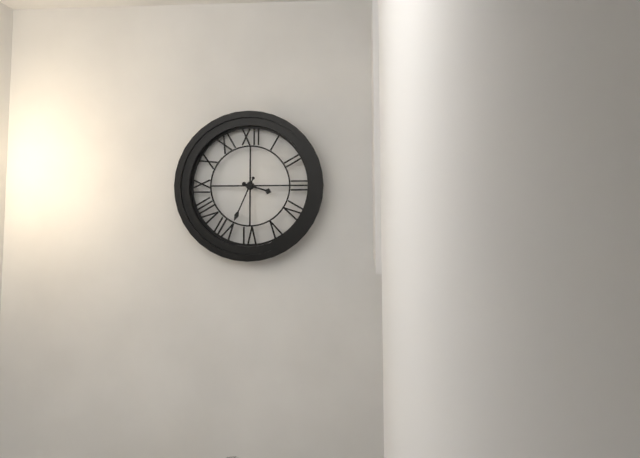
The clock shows 3.34
